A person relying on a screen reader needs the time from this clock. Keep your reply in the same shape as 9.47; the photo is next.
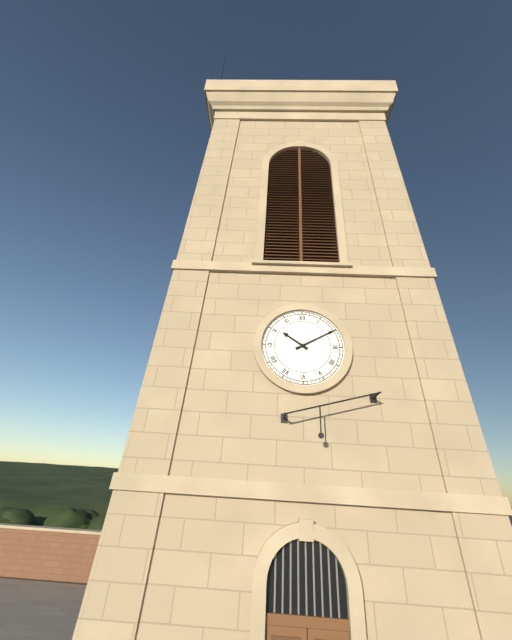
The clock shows 10.10
